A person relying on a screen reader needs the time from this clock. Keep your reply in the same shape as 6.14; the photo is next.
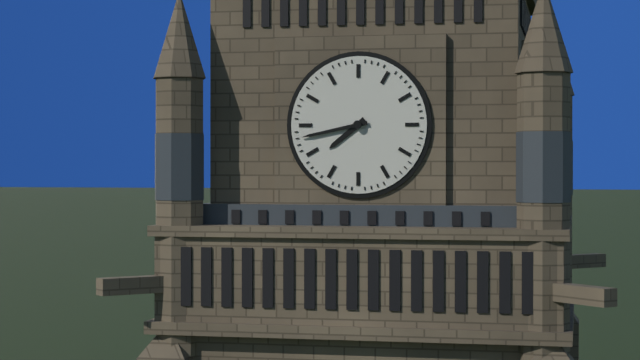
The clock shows 7.43
